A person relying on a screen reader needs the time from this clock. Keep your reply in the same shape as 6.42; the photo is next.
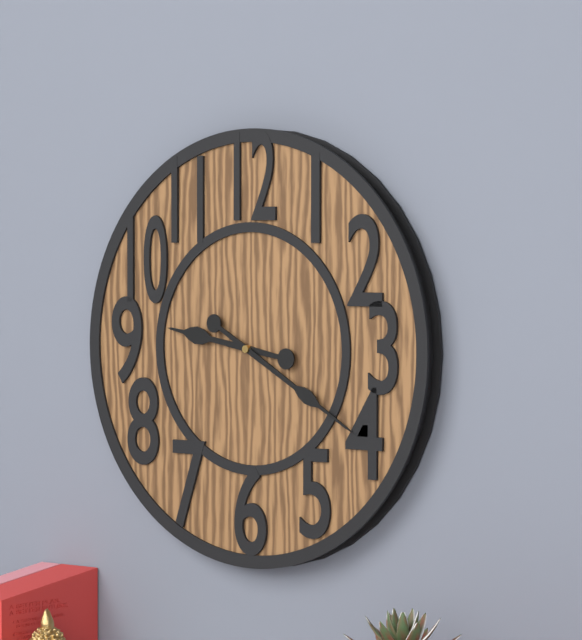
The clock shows 9.20
